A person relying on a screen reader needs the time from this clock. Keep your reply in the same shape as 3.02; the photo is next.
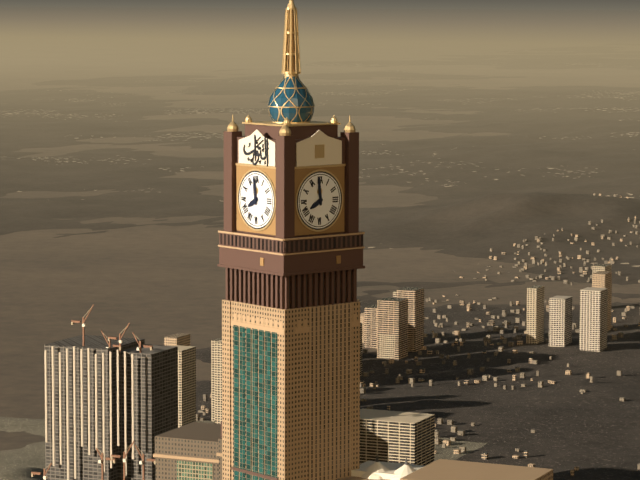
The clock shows 7.59
